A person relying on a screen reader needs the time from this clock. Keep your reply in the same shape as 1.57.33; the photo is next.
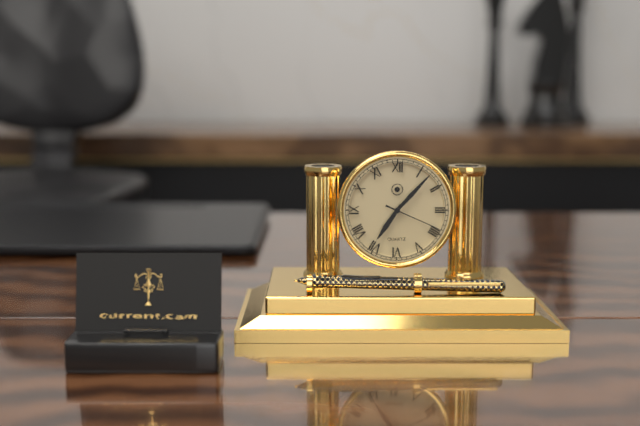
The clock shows 7.07.19
